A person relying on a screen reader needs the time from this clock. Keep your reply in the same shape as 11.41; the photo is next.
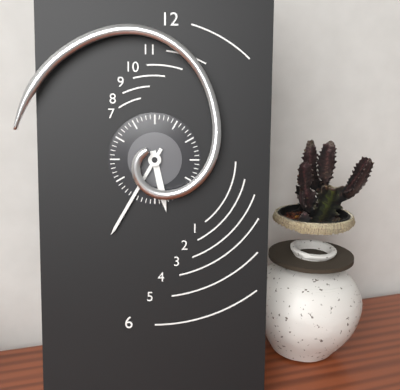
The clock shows 5.35
